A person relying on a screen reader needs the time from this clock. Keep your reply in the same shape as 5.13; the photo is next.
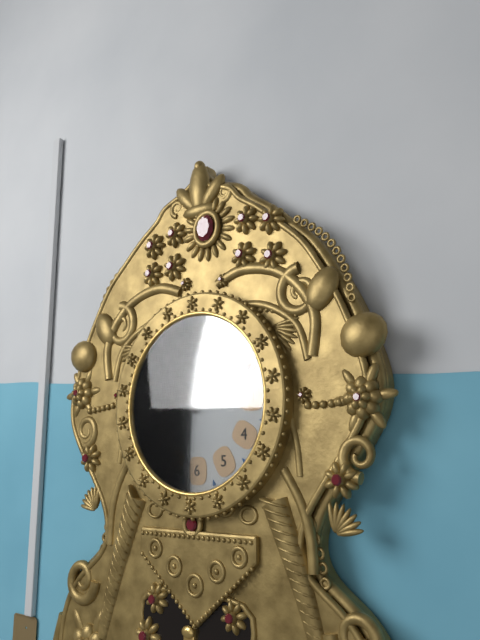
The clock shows 12.11
